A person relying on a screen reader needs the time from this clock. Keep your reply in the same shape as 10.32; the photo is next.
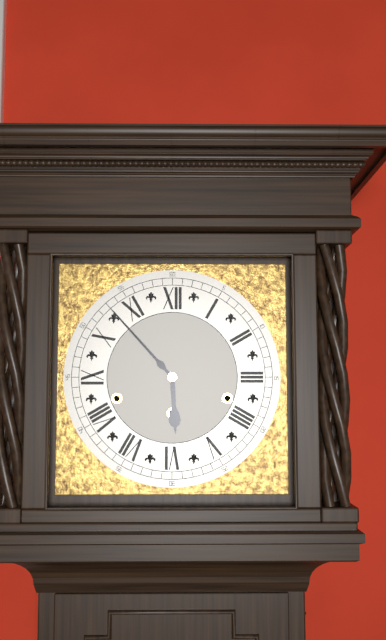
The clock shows 5.53
